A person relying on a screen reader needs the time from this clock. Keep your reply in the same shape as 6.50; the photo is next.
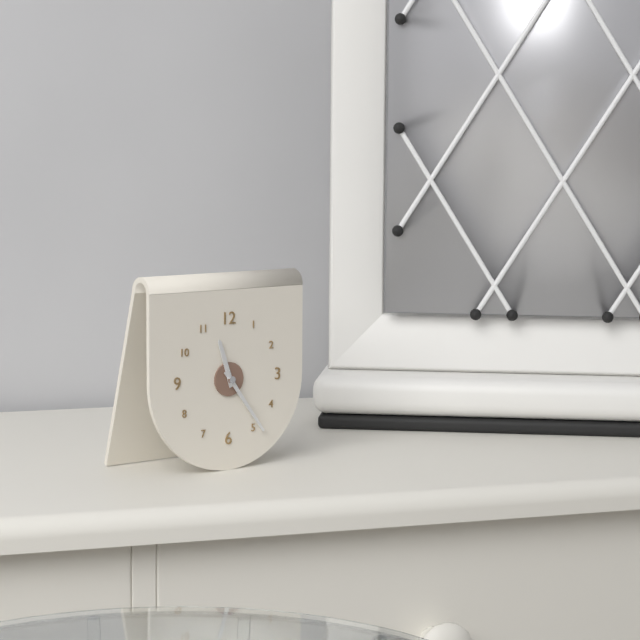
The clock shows 11.24
